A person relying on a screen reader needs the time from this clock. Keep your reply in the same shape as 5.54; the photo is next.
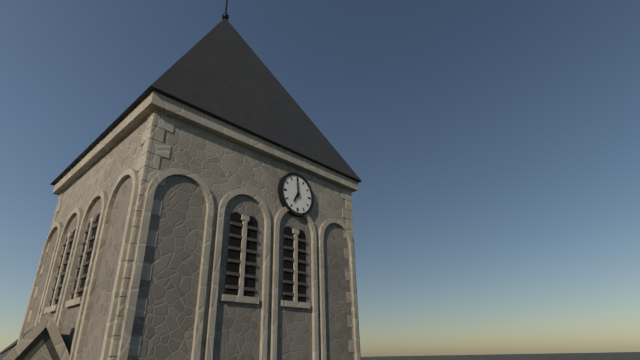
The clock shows 6.59
